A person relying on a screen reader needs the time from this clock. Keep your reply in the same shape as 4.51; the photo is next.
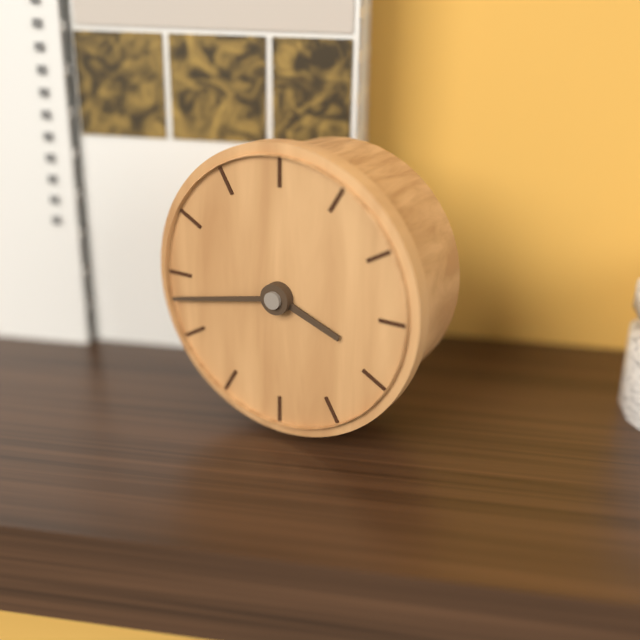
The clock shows 3.43
